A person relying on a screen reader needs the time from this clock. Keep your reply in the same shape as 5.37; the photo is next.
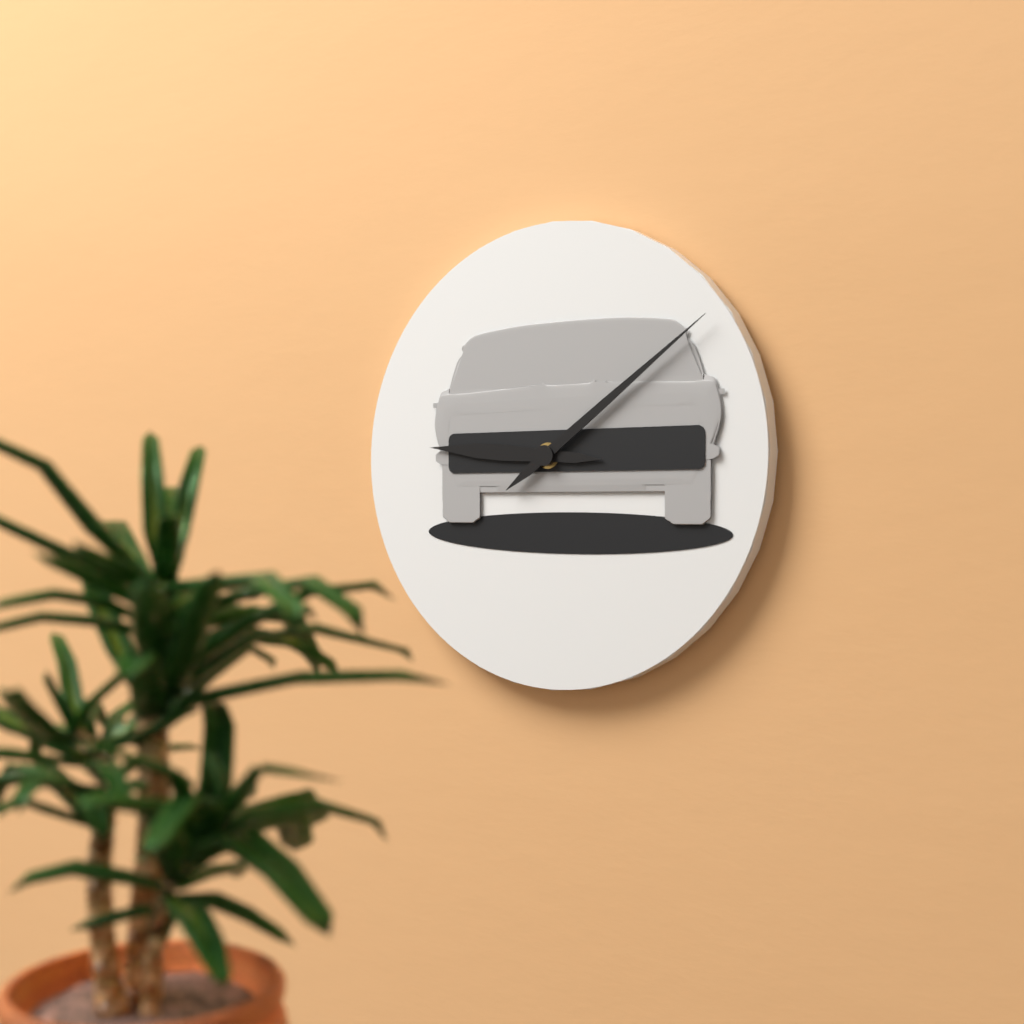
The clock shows 9.09
